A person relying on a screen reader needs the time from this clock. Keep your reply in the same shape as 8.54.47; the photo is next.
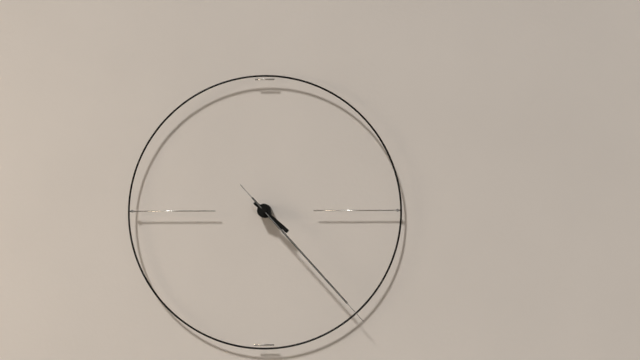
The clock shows 4.23.23
